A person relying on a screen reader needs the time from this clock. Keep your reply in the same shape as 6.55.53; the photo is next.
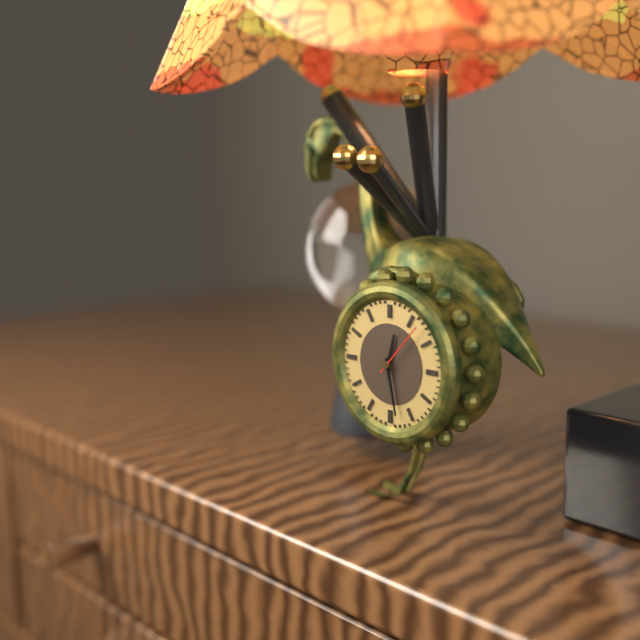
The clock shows 12.28.07
